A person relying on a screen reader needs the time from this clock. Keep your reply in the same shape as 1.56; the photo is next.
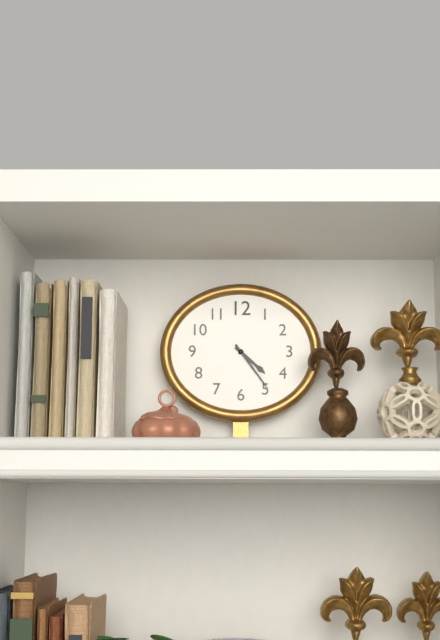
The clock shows 4.24
